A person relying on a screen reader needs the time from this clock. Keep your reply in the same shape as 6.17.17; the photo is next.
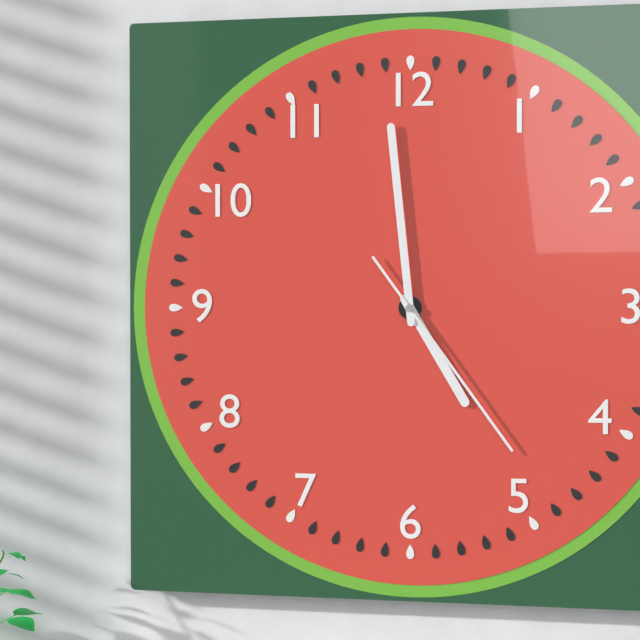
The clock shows 4.59.24
